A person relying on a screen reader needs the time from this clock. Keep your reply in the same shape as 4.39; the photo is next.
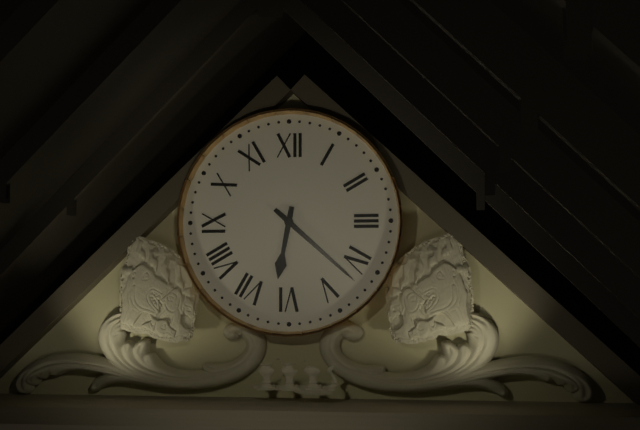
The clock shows 6.22
